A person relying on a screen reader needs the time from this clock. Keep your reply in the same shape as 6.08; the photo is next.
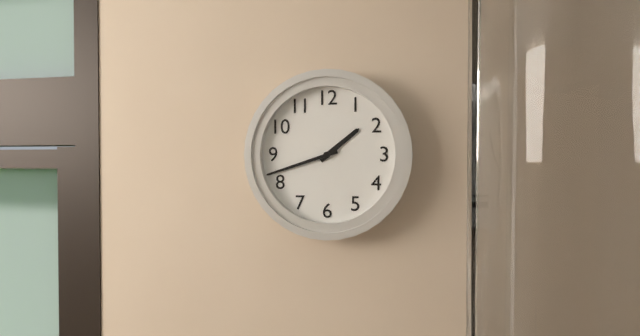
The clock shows 1.42
